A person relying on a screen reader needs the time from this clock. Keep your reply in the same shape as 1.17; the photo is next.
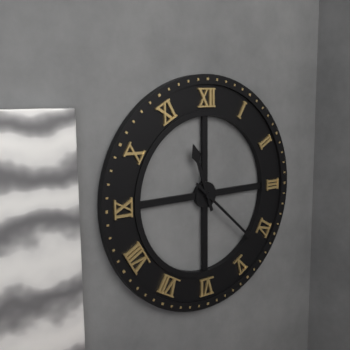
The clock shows 11.22
